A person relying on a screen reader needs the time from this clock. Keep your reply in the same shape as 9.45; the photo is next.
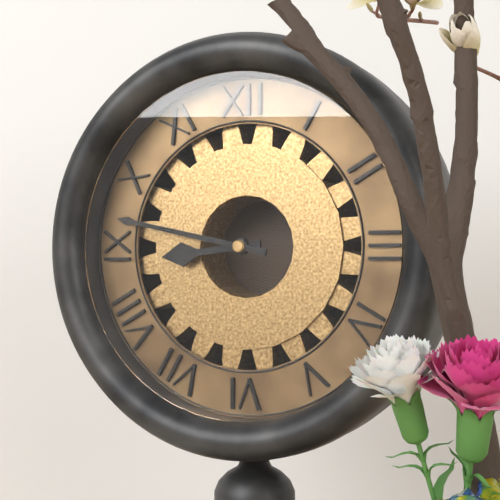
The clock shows 8.47
